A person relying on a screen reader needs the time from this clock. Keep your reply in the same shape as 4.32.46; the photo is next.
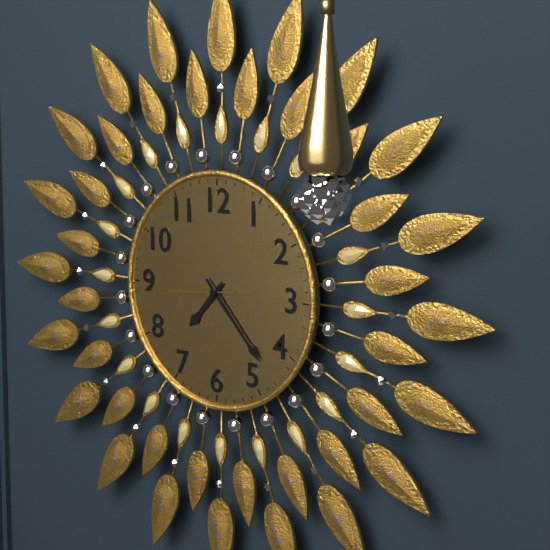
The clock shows 7.23.44
